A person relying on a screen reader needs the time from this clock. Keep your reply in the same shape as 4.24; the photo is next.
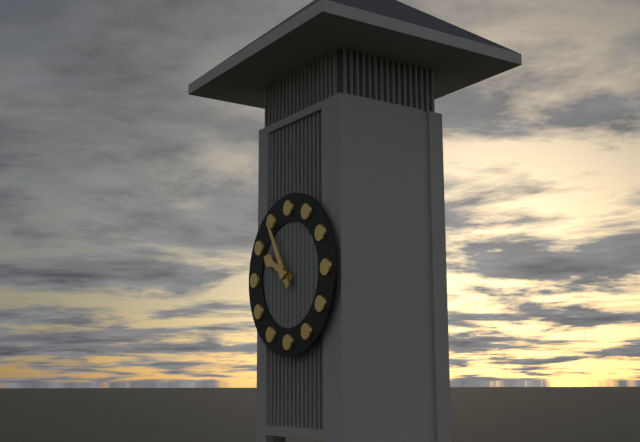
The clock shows 9.55
